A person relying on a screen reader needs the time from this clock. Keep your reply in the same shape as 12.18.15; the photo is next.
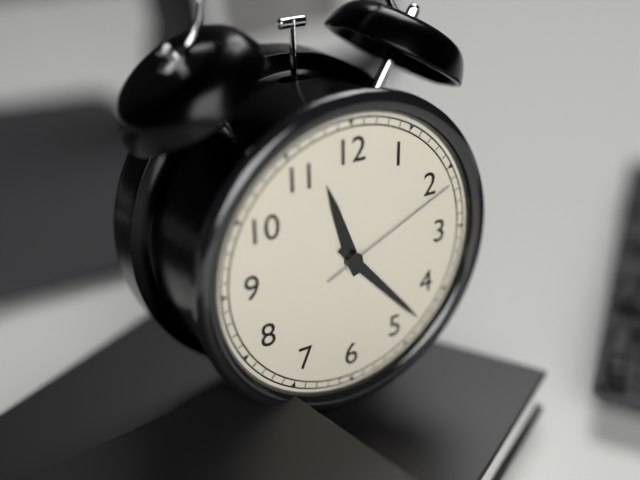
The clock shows 11.23.11
